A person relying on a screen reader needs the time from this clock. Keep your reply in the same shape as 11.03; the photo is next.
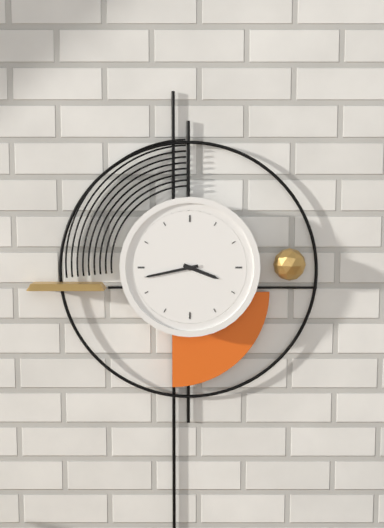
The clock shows 3.43
